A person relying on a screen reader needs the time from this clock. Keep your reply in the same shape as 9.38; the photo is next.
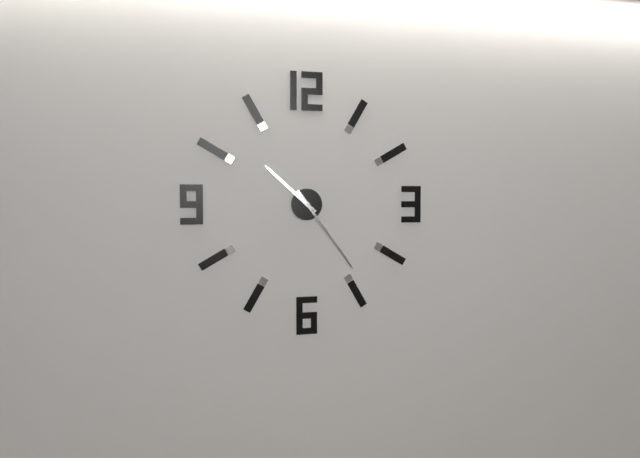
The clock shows 10.24
